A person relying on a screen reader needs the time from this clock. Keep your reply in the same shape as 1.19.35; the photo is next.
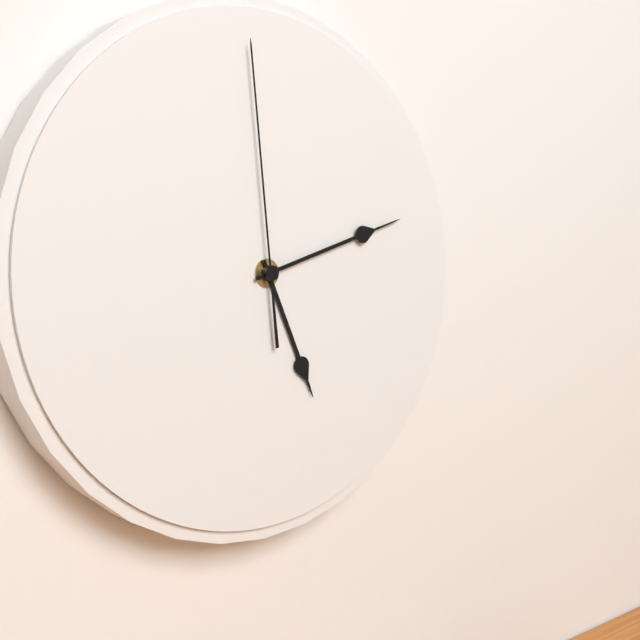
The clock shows 5.12.59
